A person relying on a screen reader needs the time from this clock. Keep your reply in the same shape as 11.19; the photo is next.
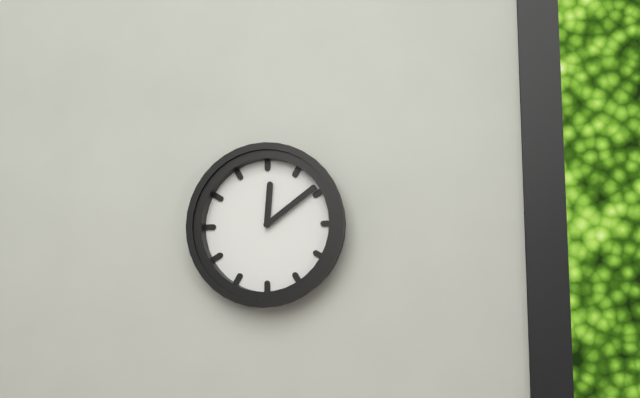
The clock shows 12.09
